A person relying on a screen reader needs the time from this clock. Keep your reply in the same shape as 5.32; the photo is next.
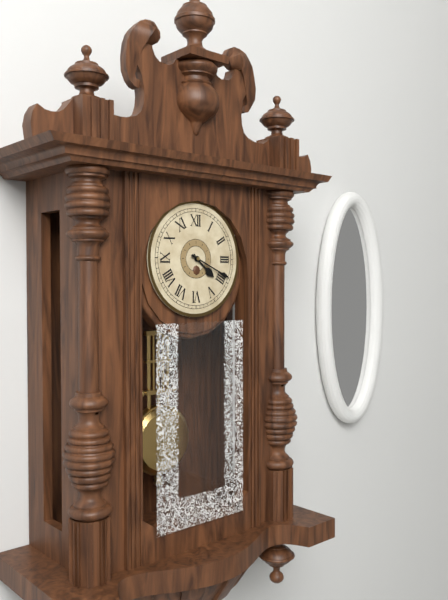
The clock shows 4.19
